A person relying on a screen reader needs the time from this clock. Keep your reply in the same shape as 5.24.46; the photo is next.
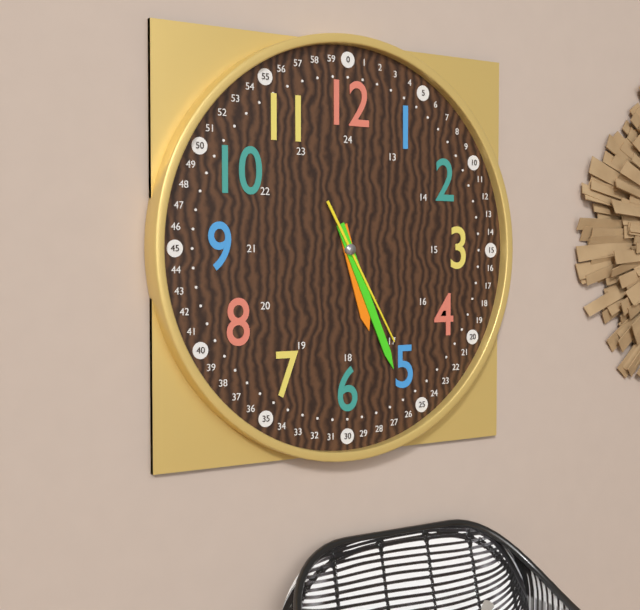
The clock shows 5.26.25
